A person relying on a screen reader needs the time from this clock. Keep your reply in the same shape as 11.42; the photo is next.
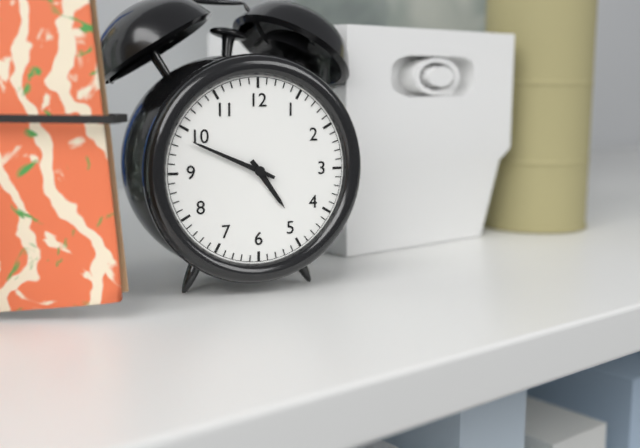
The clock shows 4.49
